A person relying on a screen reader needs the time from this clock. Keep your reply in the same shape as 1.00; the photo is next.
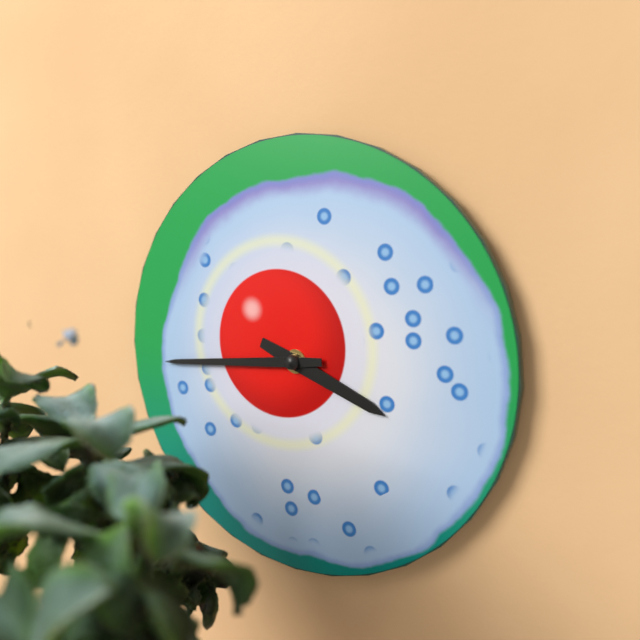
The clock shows 3.44
